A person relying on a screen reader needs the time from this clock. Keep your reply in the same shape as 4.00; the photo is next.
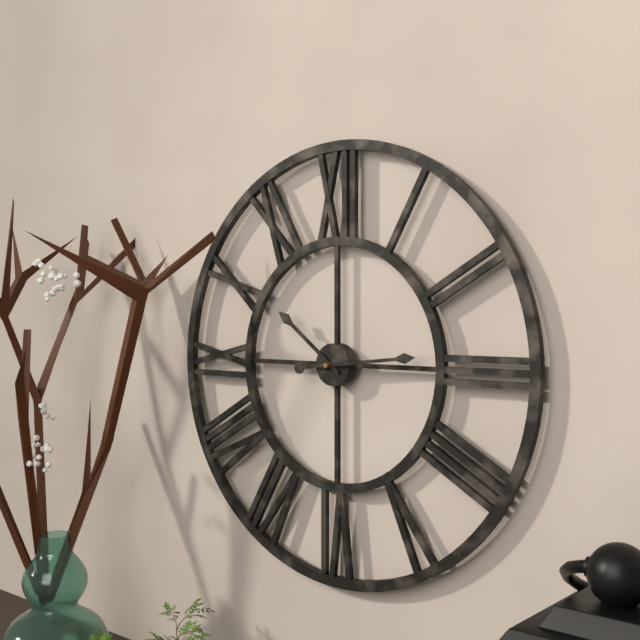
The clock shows 10.14
